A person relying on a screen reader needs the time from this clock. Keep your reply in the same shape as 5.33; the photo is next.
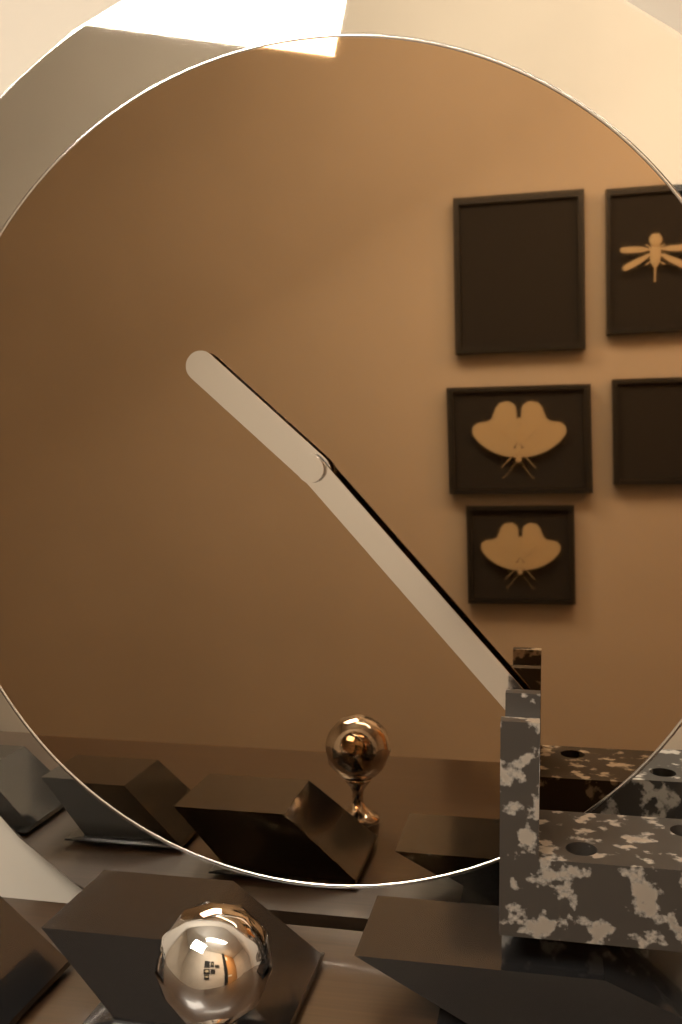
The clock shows 10.23
